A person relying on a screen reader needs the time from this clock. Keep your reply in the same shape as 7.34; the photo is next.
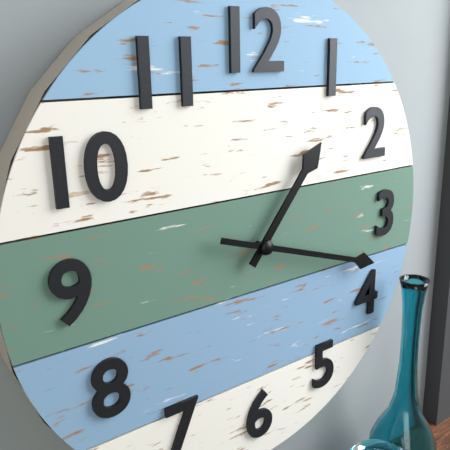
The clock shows 1.18
